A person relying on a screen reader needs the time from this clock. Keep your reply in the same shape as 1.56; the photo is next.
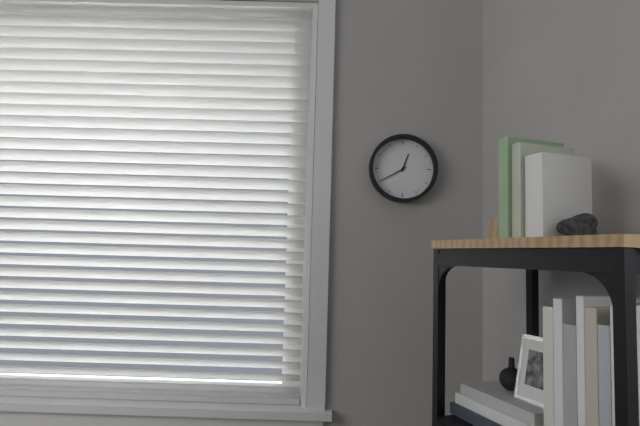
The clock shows 12.40
